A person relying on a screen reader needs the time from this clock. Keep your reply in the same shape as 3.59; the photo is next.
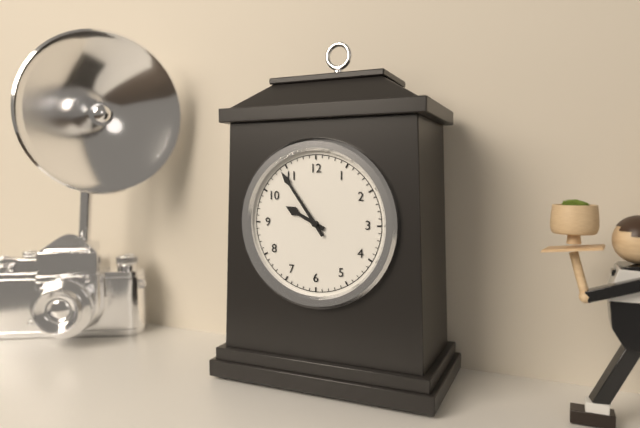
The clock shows 9.54
